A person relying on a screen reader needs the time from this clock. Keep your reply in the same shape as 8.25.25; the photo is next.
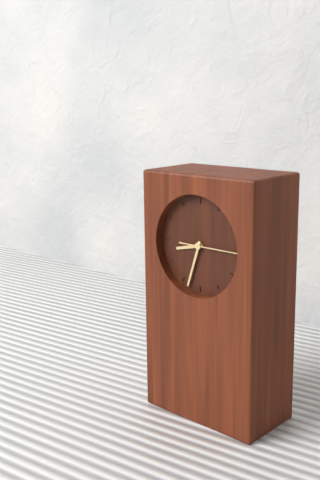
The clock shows 8.33.15
